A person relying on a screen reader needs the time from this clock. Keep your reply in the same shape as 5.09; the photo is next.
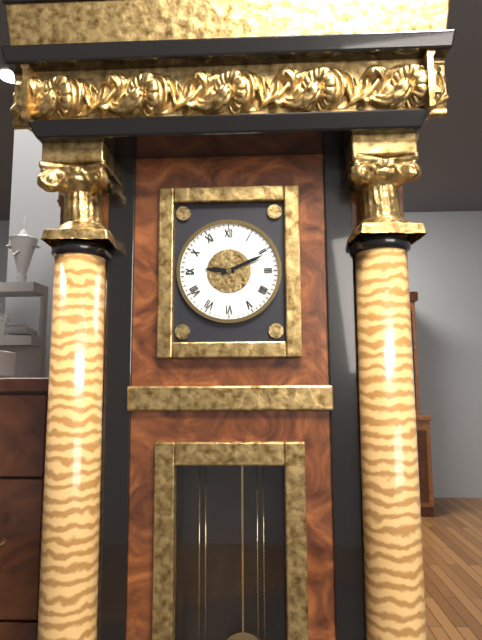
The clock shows 9.11
